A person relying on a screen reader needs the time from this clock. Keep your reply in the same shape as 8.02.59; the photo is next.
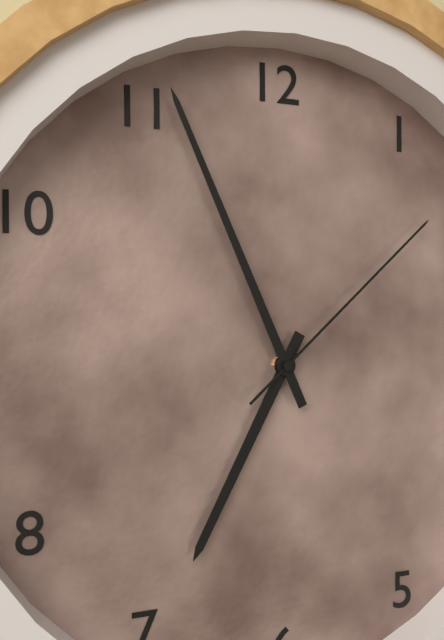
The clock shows 6.56.08
